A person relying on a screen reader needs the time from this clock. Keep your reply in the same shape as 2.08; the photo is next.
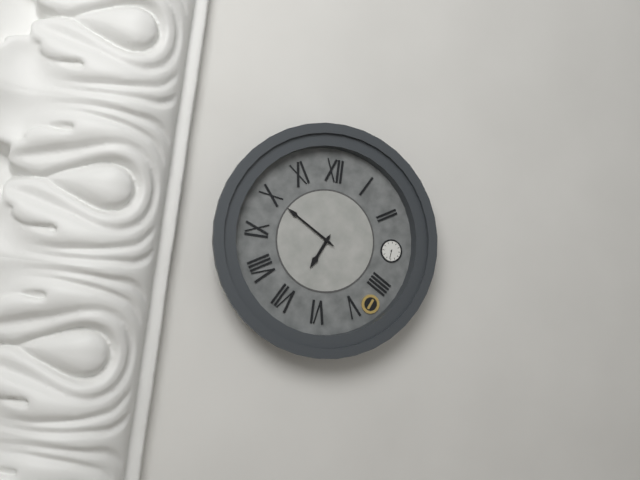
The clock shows 6.50
